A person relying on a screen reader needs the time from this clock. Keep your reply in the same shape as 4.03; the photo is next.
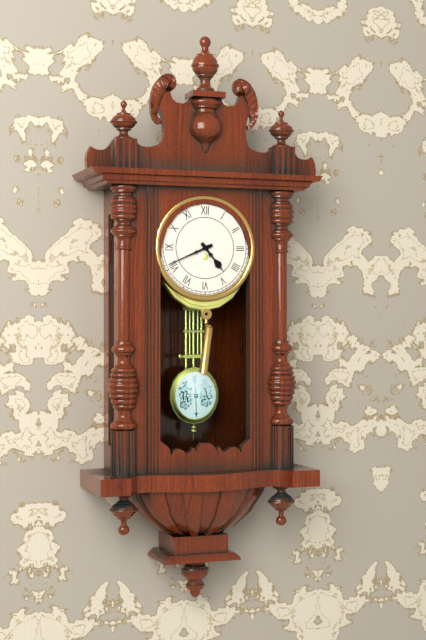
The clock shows 4.41
